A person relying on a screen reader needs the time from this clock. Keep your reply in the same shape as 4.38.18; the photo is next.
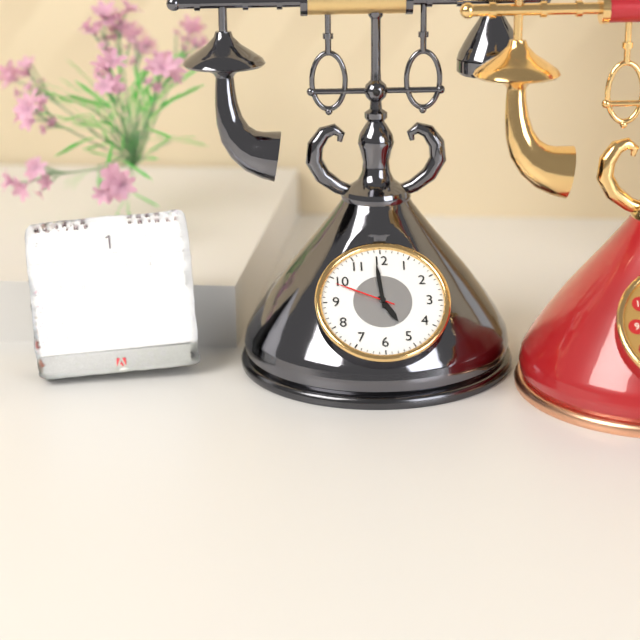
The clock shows 4.59.49
